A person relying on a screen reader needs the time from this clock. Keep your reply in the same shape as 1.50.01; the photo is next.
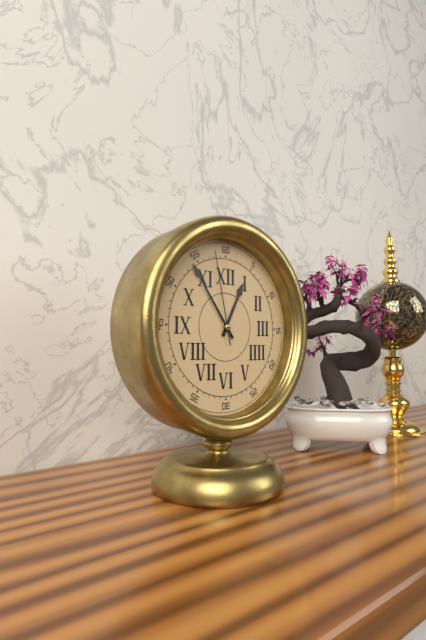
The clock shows 12.54.58
